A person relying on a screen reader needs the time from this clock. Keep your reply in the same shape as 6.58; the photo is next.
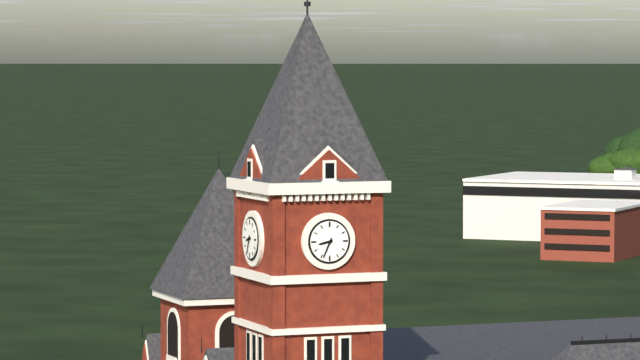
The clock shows 8.34
